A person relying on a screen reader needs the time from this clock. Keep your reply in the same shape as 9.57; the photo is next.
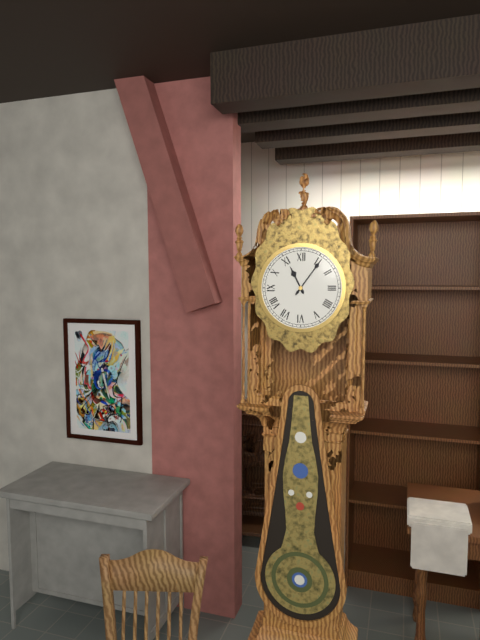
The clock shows 11.06
